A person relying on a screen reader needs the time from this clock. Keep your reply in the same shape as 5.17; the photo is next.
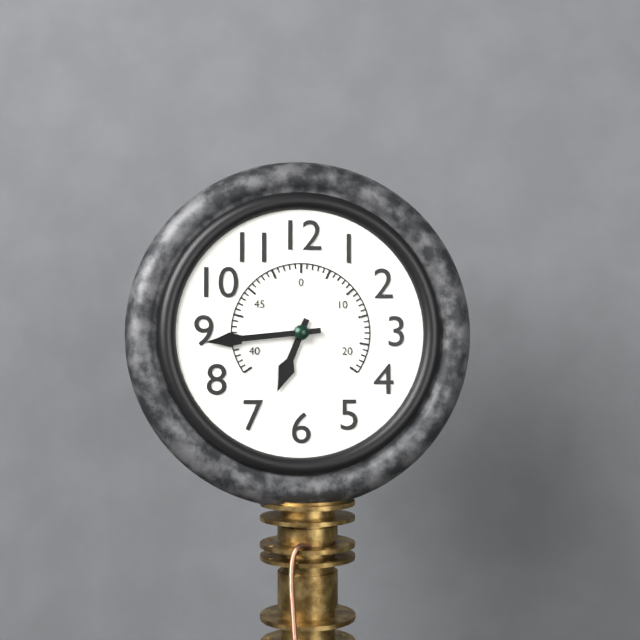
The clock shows 6.44
